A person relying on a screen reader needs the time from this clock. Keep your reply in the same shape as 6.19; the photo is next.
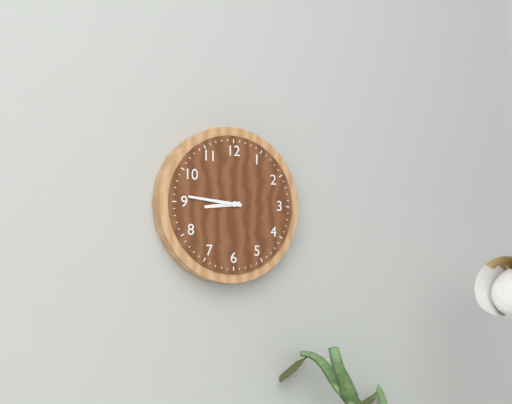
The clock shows 8.46
